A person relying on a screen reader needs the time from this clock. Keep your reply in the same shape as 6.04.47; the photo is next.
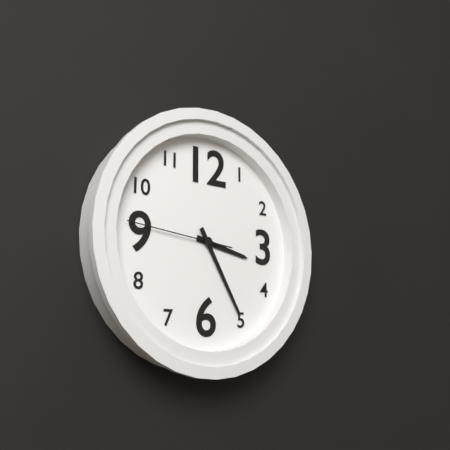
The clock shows 3.25.46
